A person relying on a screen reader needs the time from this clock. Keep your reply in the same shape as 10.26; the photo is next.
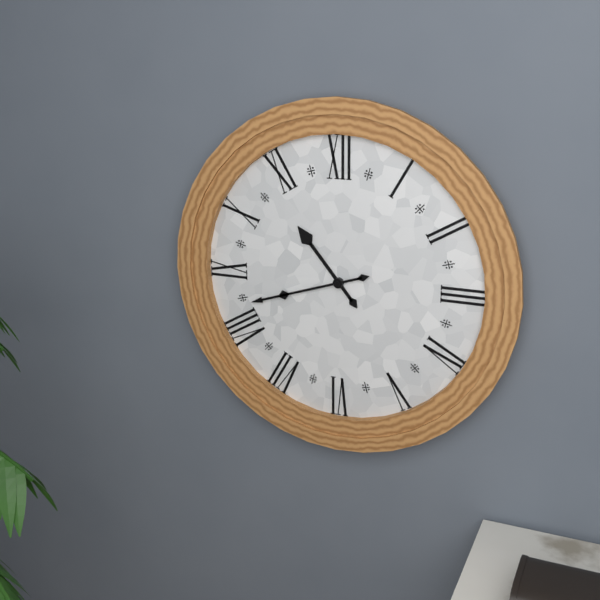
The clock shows 10.42
